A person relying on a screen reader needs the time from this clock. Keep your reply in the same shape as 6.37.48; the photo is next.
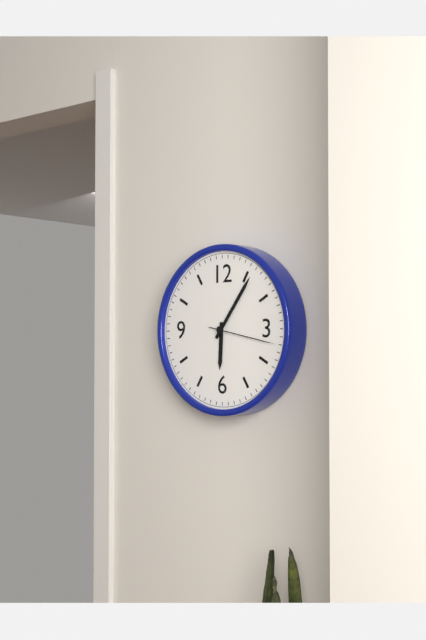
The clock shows 6.06.17
